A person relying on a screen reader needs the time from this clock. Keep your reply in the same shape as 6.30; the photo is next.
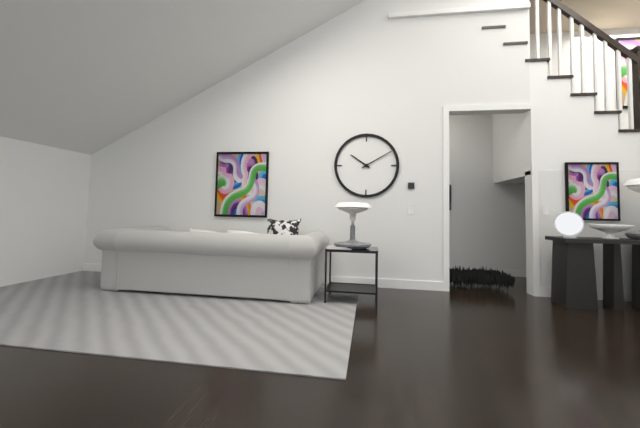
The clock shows 10.10
